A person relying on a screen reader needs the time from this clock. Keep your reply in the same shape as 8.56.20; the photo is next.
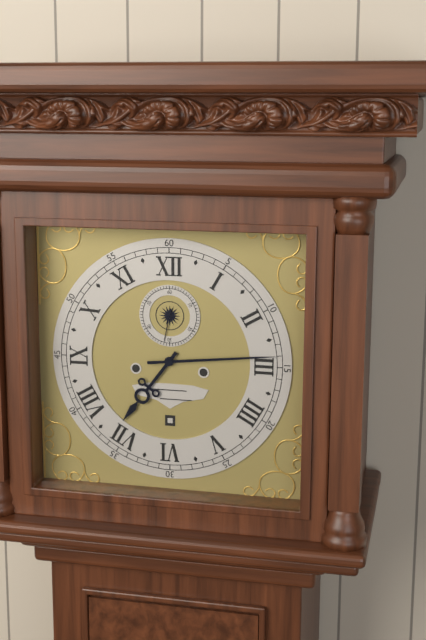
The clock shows 7.14.32
